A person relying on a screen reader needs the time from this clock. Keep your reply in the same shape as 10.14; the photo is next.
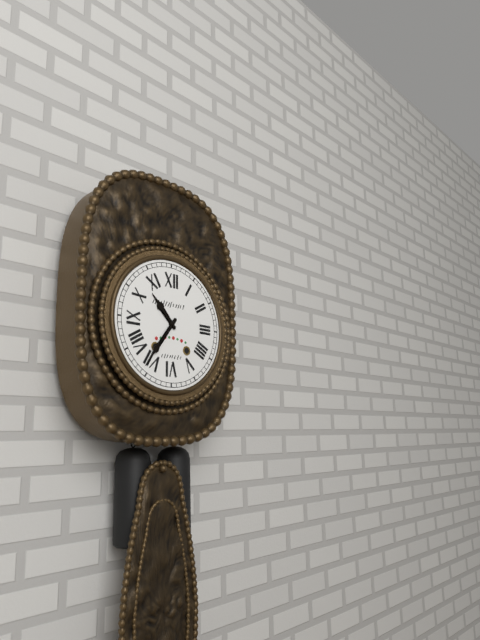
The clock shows 10.36
